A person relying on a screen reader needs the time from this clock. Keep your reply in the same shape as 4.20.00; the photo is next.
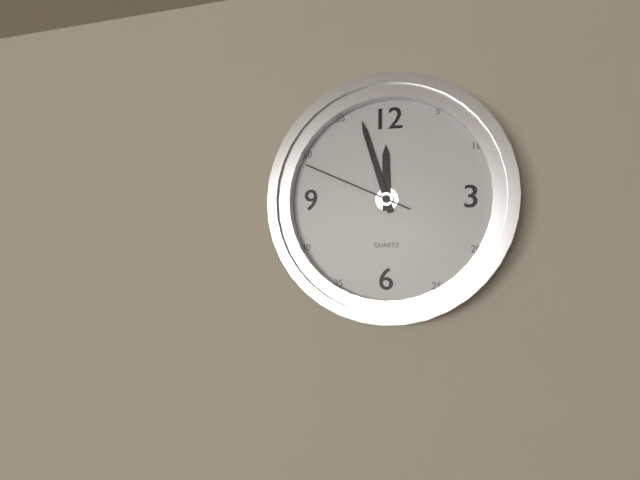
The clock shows 11.57.49
